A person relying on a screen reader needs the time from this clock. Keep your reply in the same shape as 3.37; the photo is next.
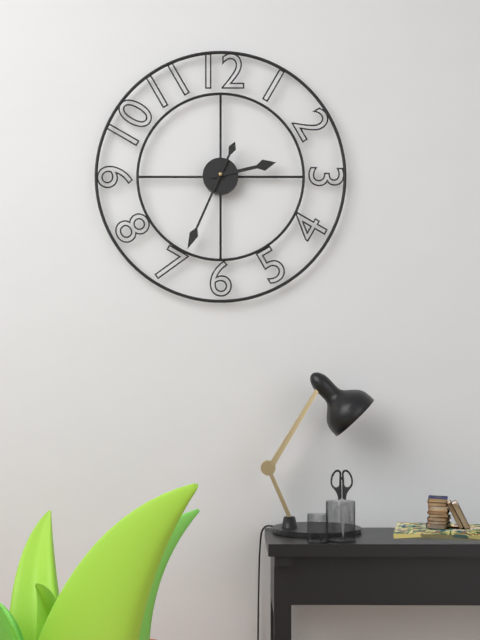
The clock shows 2.34
